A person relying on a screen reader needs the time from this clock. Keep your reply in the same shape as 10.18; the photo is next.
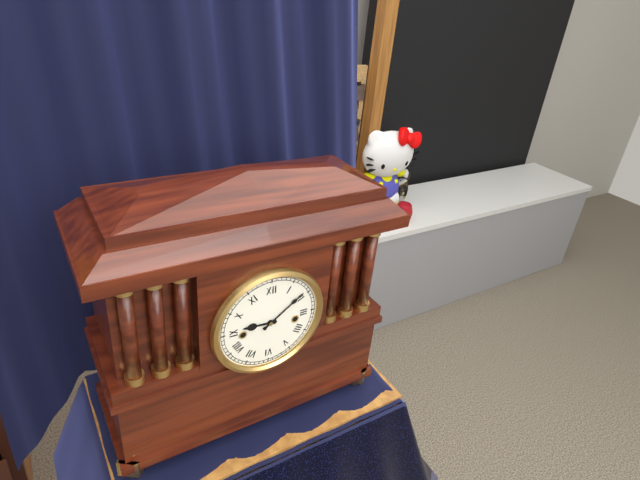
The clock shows 9.09
